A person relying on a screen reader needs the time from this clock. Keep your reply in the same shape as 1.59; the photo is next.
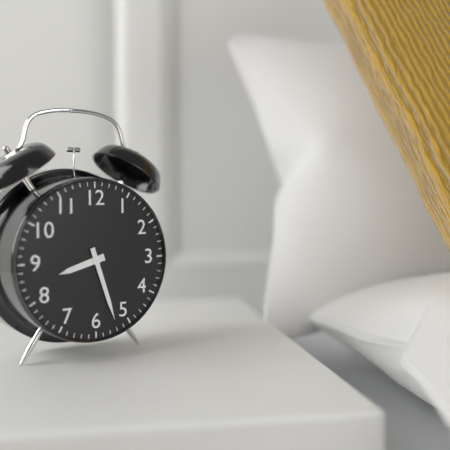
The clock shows 8.27
